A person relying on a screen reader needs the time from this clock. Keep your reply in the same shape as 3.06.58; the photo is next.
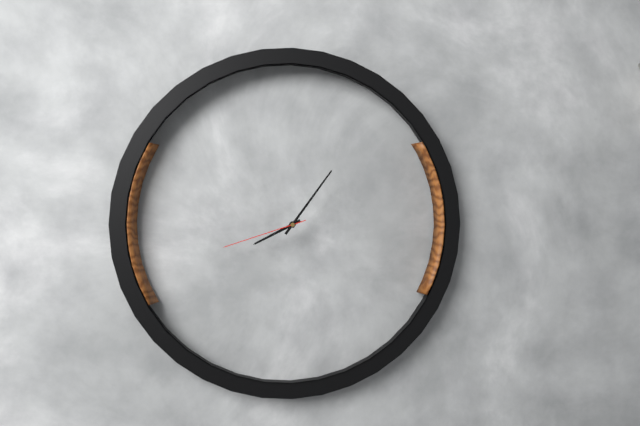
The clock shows 8.06.42
